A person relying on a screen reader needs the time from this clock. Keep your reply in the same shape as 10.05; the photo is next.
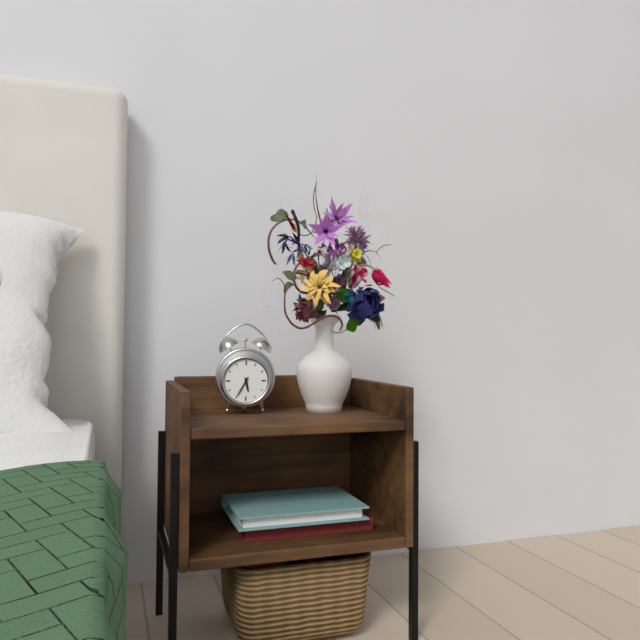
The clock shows 5.35
